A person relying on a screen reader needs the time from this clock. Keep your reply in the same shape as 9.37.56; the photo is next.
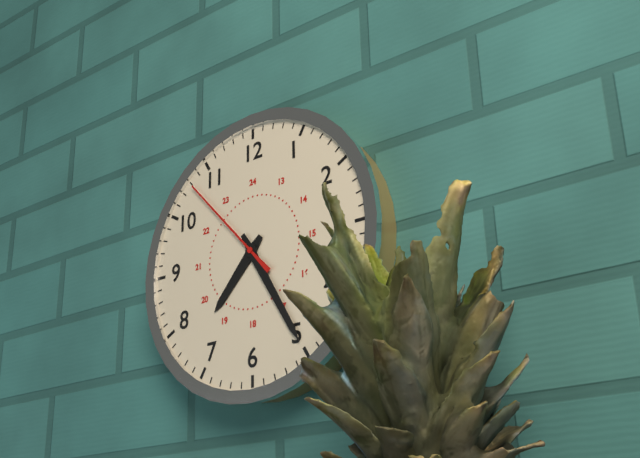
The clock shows 7.25.53
